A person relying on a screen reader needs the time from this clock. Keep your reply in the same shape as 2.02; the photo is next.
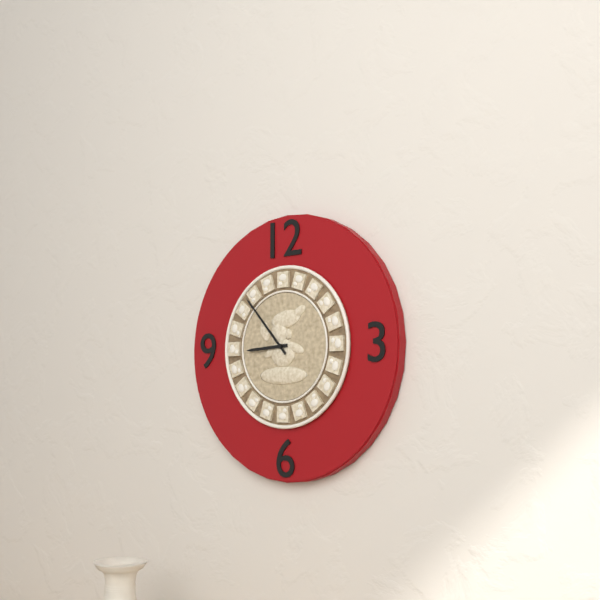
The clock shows 8.53
